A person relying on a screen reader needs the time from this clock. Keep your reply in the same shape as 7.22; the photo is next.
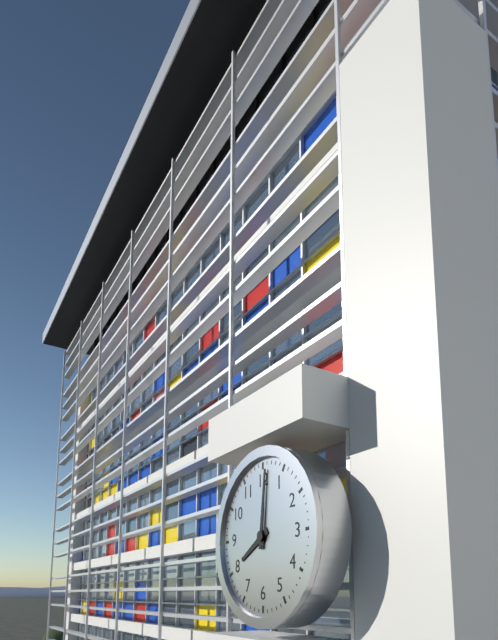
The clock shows 8.01
